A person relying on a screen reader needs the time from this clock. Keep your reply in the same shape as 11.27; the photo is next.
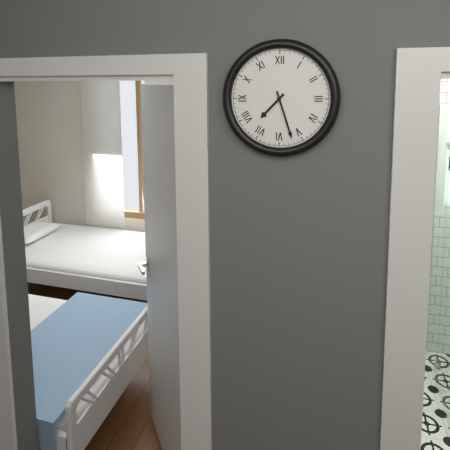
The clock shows 7.27
